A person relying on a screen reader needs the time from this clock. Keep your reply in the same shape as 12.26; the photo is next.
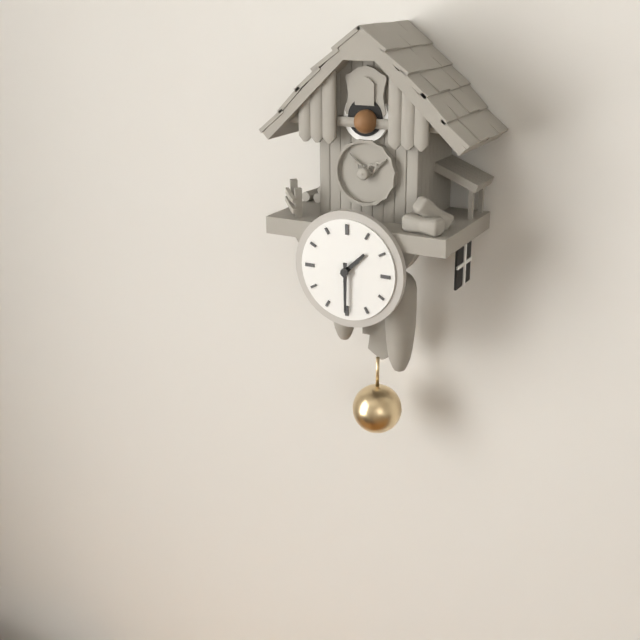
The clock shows 1.30
